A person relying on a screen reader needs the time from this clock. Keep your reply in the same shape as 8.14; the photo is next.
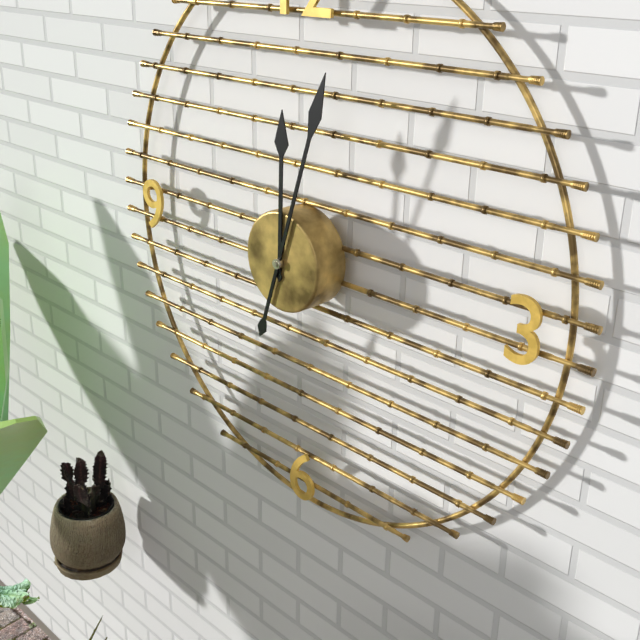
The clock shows 12.03
